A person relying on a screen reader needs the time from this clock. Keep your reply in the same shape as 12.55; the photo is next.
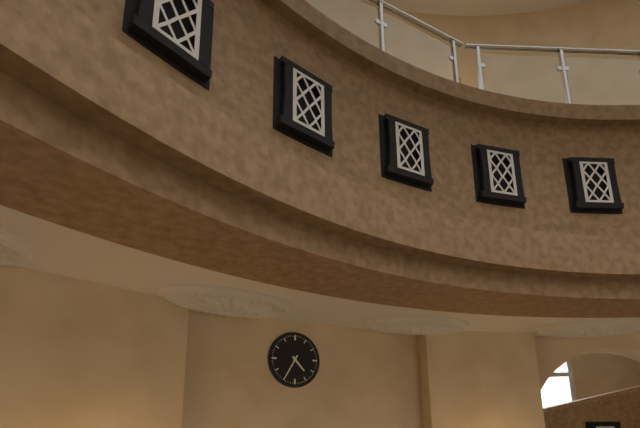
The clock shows 4.35
